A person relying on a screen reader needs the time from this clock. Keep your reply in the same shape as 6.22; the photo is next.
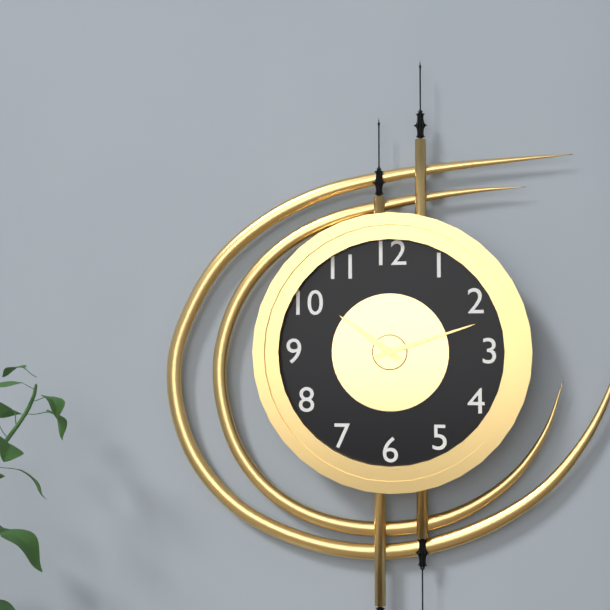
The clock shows 10.12
